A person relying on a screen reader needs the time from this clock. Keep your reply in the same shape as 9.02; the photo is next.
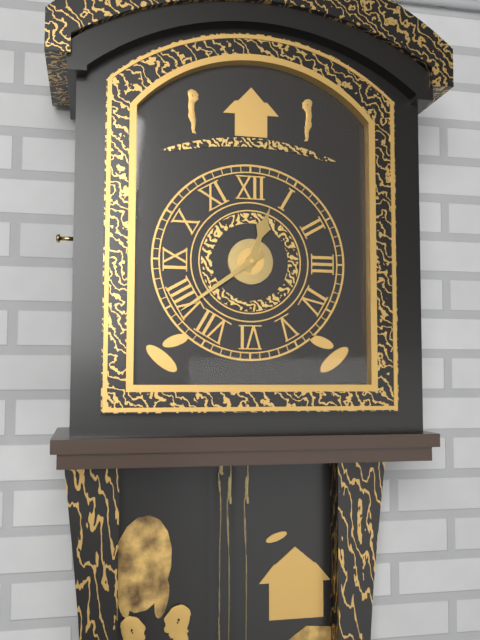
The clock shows 12.39
